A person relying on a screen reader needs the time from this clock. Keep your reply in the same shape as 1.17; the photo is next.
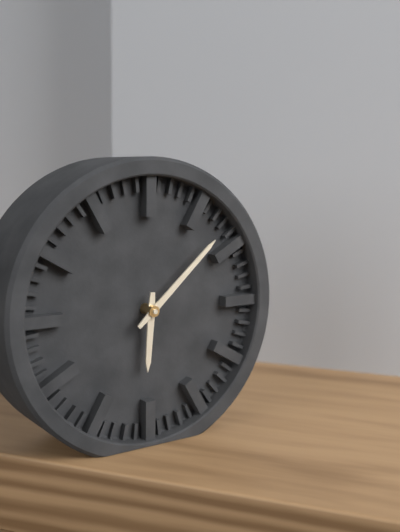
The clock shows 6.08
